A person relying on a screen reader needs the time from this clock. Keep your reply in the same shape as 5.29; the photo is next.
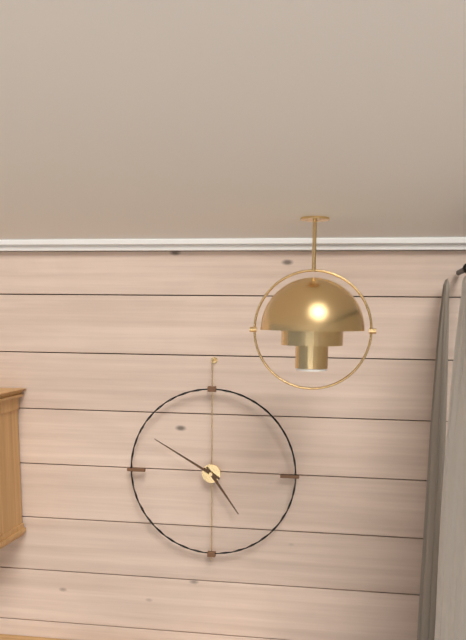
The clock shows 4.50
